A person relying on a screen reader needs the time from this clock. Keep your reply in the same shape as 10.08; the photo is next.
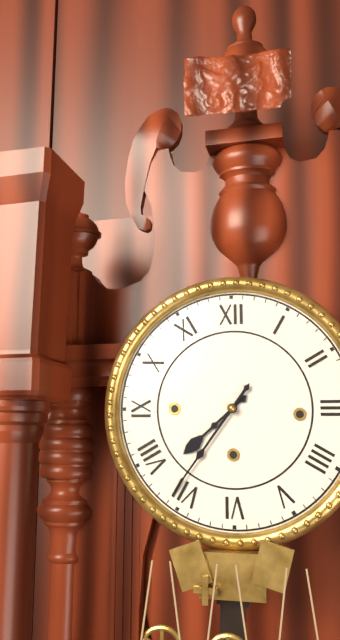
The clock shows 7.36
